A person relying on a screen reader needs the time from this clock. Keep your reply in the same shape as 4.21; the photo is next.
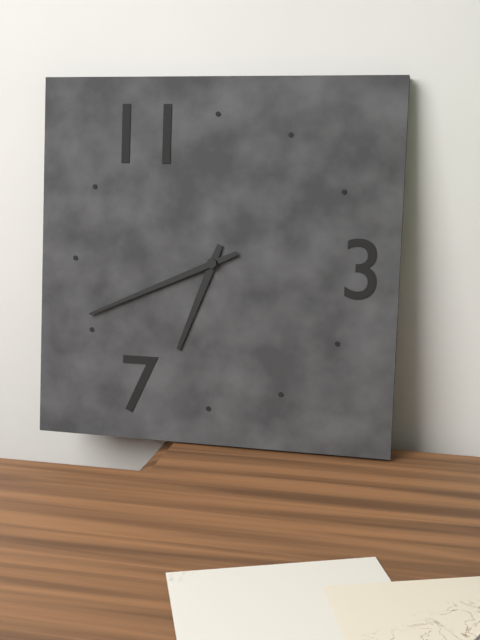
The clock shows 6.41
